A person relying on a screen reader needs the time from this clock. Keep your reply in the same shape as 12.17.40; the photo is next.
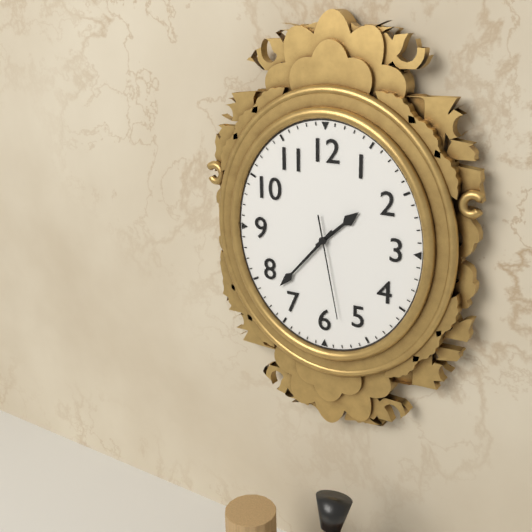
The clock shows 1.37.28
